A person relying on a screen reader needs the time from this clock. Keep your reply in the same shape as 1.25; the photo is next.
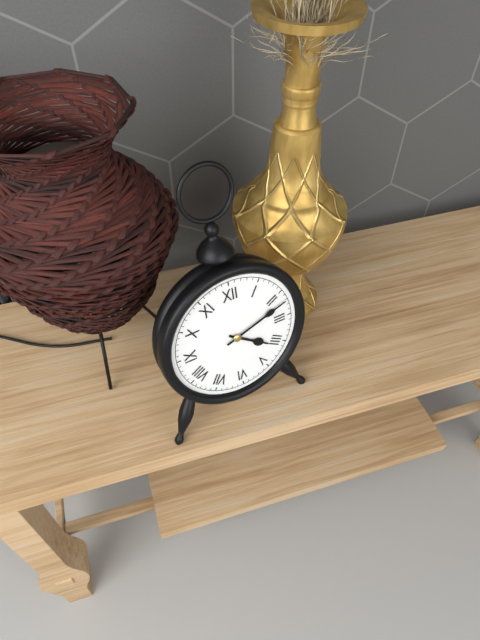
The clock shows 4.12
